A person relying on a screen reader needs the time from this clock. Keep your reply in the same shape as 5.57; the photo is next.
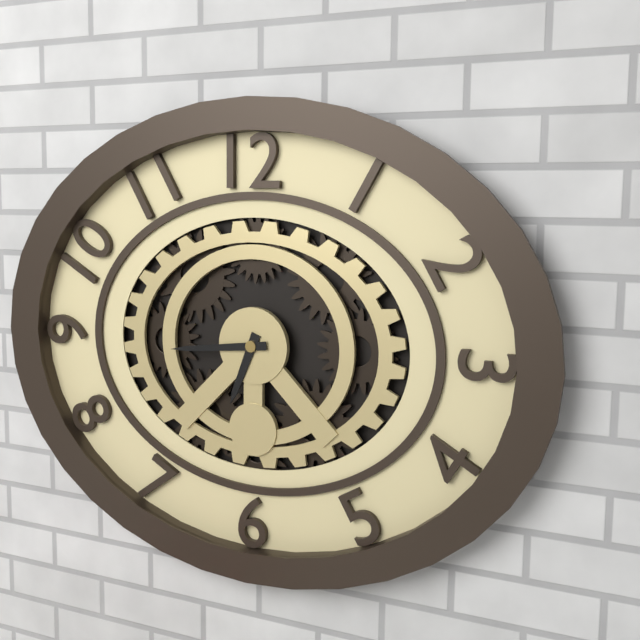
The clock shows 6.44
